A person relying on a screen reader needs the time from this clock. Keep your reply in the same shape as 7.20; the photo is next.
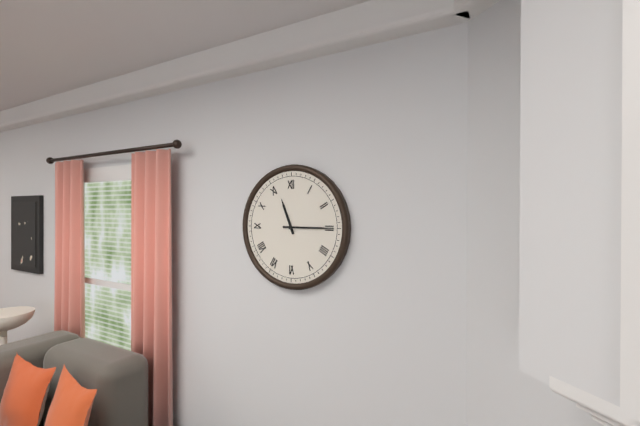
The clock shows 11.15
